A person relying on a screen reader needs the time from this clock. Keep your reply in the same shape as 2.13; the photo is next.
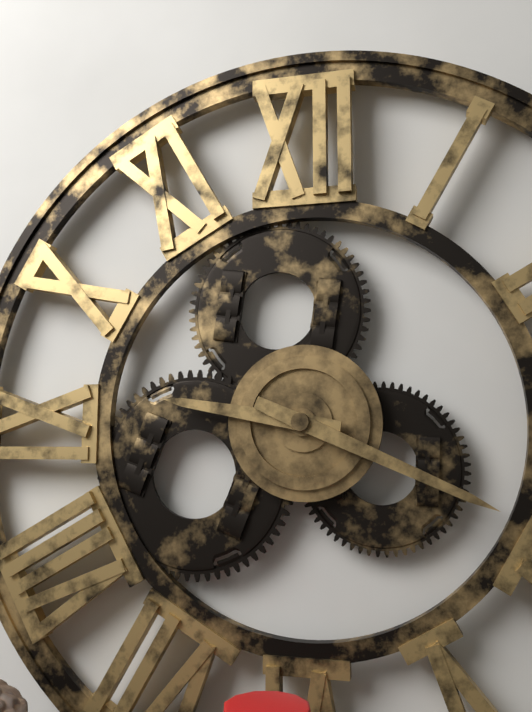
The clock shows 9.19
